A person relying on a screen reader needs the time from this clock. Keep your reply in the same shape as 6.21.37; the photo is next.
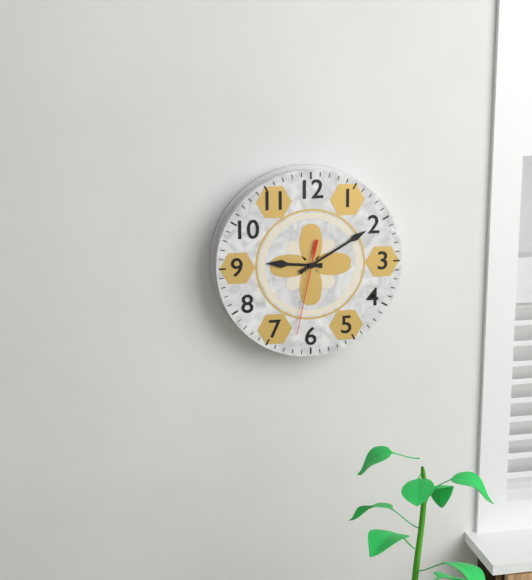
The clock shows 9.10.32
